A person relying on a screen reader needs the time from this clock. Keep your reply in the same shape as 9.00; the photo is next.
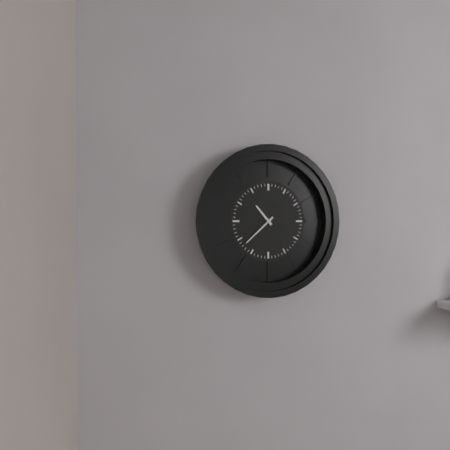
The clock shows 10.38
